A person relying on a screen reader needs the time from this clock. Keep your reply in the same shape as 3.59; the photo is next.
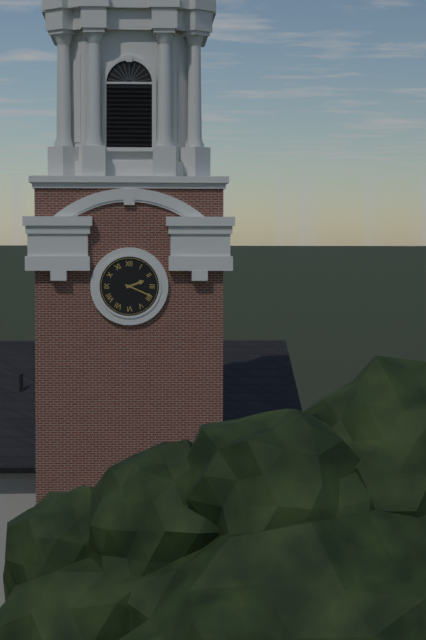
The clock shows 2.19
